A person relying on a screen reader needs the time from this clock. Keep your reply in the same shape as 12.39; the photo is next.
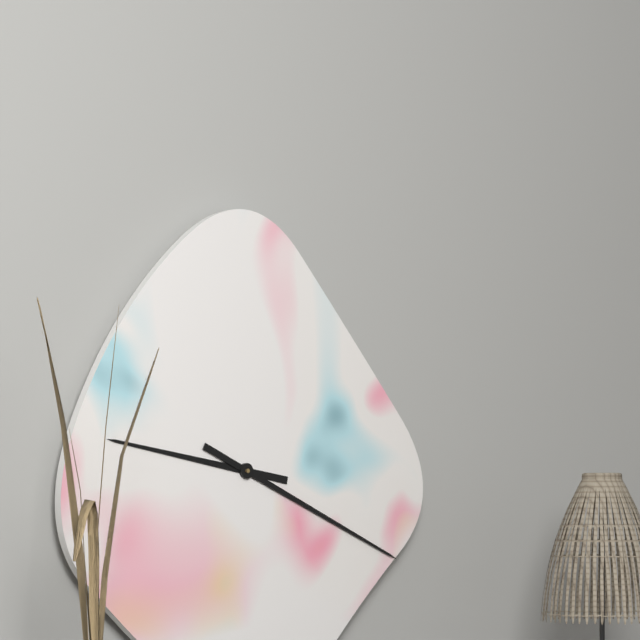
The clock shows 9.19
